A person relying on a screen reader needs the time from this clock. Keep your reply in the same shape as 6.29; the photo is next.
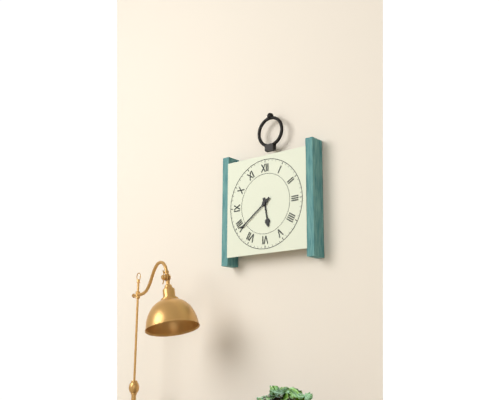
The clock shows 5.39
